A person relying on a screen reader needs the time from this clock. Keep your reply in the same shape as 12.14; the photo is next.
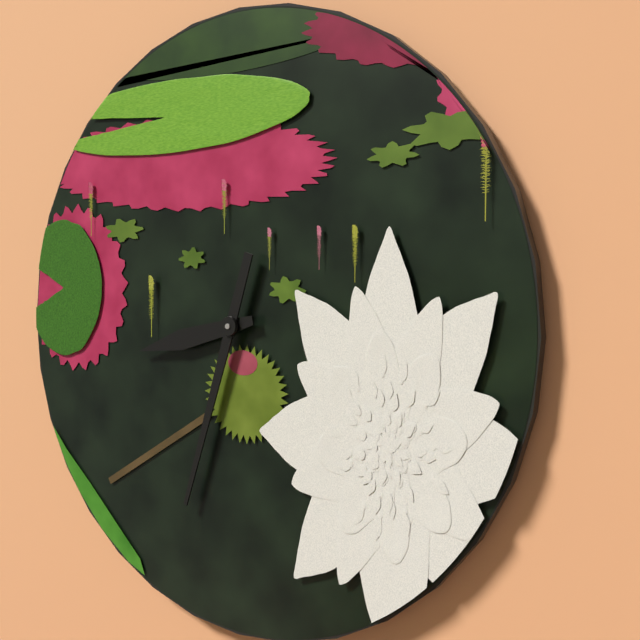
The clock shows 8.33
